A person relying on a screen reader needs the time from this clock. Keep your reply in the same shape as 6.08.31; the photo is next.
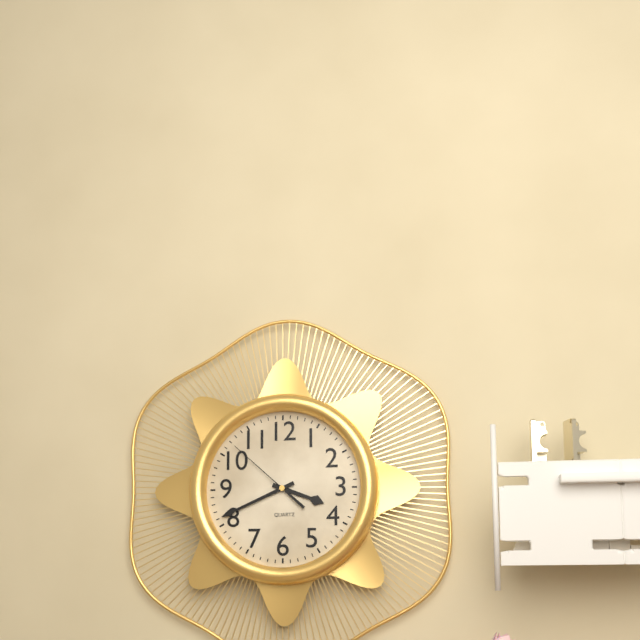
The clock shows 3.41.52
